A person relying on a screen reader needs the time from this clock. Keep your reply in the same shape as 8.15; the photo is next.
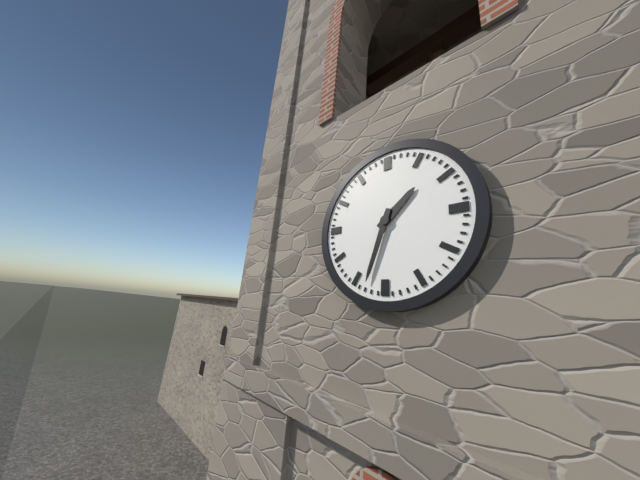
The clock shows 1.33
